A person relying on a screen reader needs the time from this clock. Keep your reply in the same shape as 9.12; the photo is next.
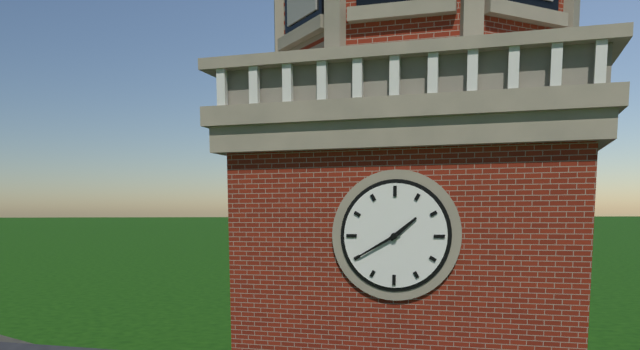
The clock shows 1.40
